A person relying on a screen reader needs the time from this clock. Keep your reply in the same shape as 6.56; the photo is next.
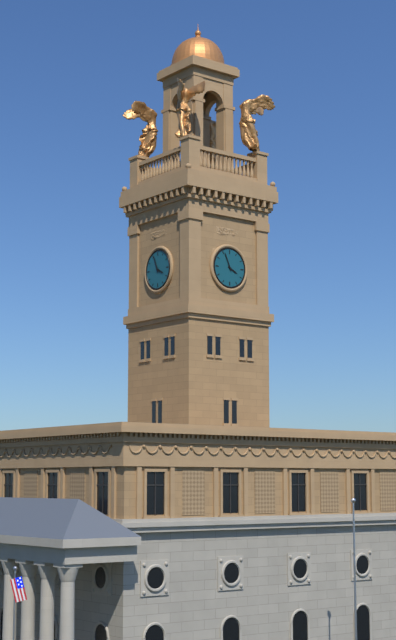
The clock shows 3.56
